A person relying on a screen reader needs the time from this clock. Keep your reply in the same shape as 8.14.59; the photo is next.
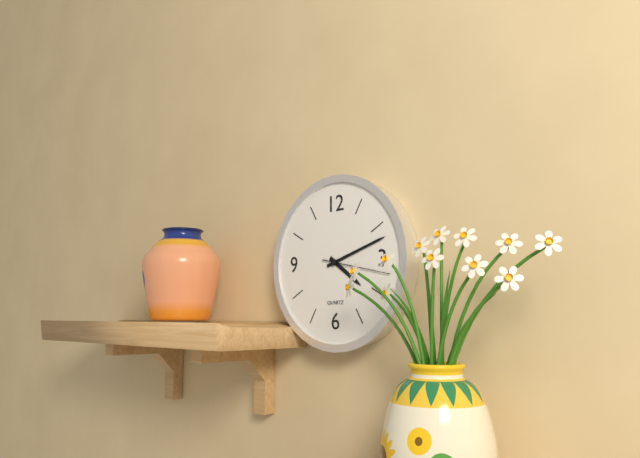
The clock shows 4.12.17
